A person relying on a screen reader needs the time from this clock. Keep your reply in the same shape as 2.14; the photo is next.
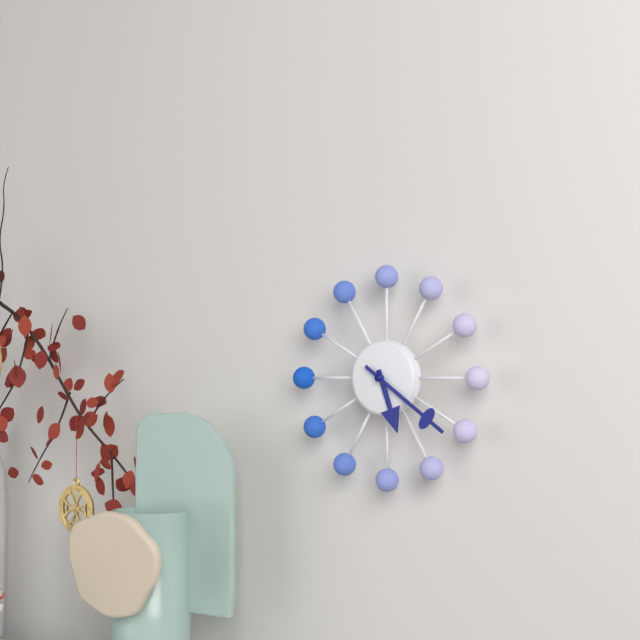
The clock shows 5.21
